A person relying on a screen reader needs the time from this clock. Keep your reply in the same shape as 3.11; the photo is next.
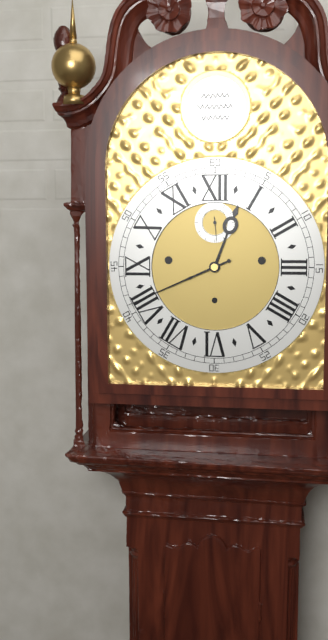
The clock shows 12.41
